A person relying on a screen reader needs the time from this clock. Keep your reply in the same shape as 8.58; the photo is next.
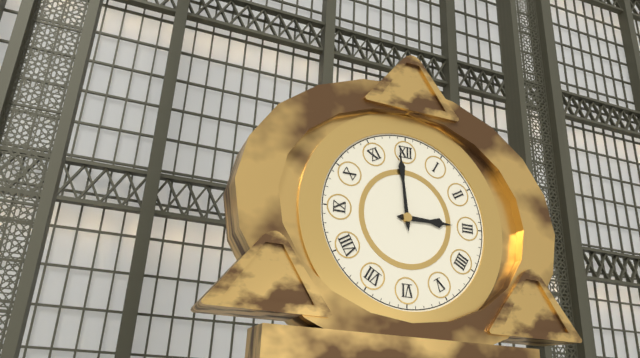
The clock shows 2.59
